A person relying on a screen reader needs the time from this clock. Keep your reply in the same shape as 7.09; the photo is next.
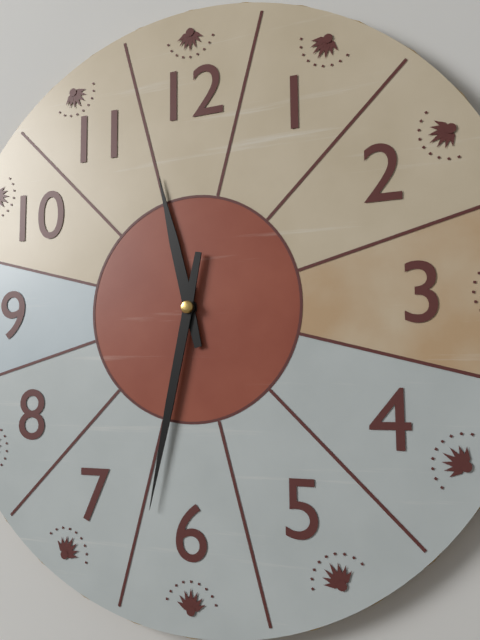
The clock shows 11.32
